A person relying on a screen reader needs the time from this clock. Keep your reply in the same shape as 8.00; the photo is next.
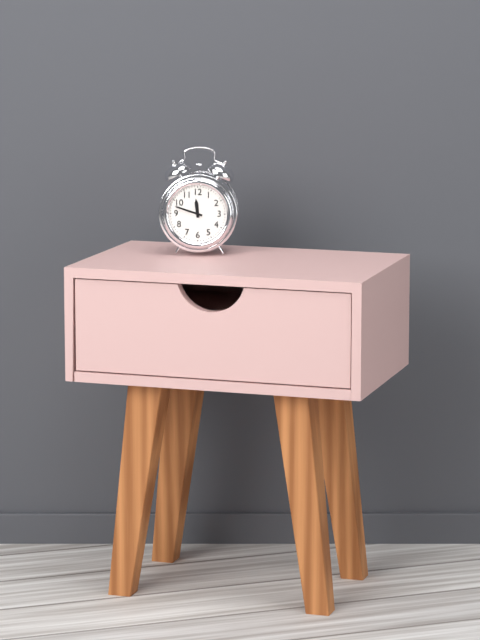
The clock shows 11.48
